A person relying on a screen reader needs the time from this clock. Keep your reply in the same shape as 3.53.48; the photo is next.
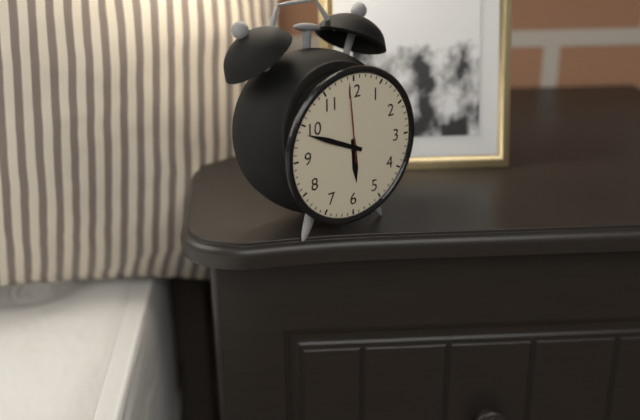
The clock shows 5.49.59
